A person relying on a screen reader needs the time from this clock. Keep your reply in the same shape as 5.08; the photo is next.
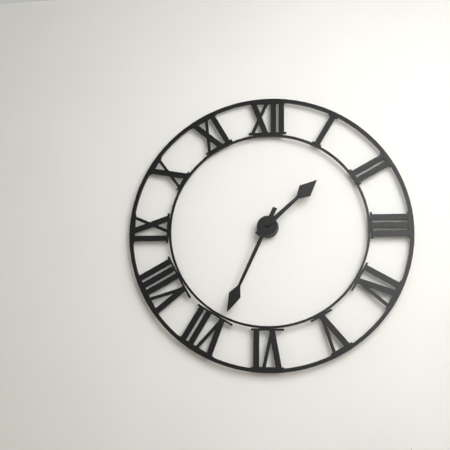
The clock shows 1.34
